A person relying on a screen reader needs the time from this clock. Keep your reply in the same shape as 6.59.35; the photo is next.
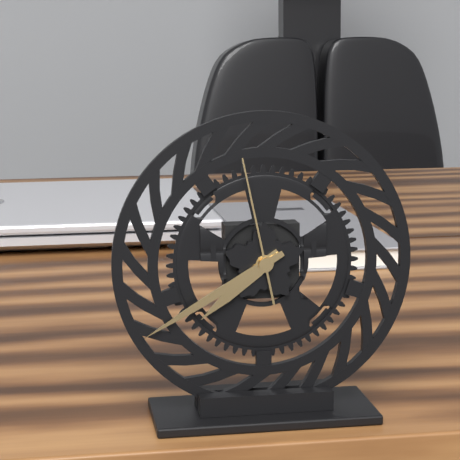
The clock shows 7.40.58
